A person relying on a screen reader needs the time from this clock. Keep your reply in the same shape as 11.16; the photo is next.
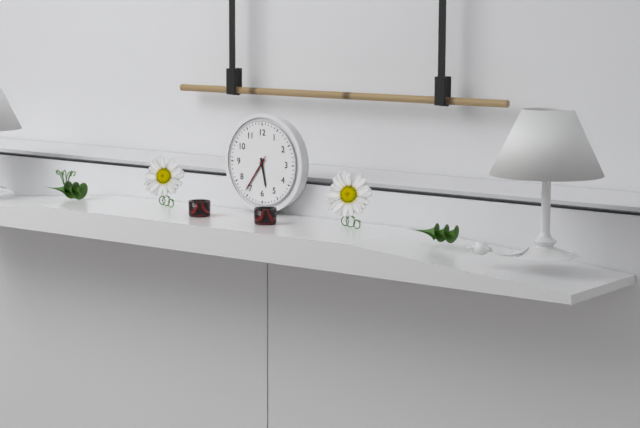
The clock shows 5.36
